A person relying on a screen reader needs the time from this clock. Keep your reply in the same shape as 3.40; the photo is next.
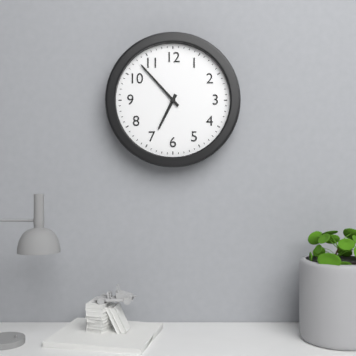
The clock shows 6.53
